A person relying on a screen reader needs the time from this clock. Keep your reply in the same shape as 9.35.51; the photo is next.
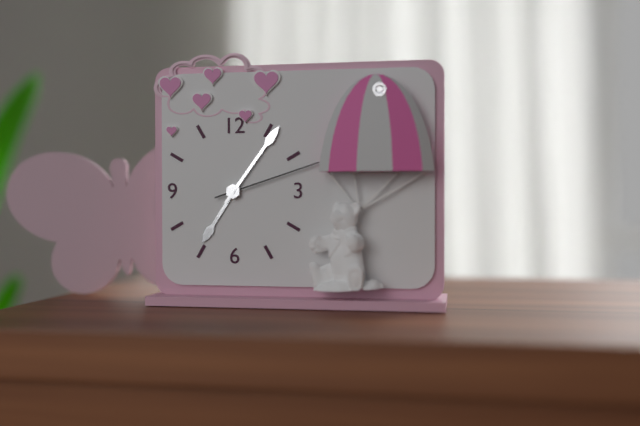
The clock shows 7.06.12
